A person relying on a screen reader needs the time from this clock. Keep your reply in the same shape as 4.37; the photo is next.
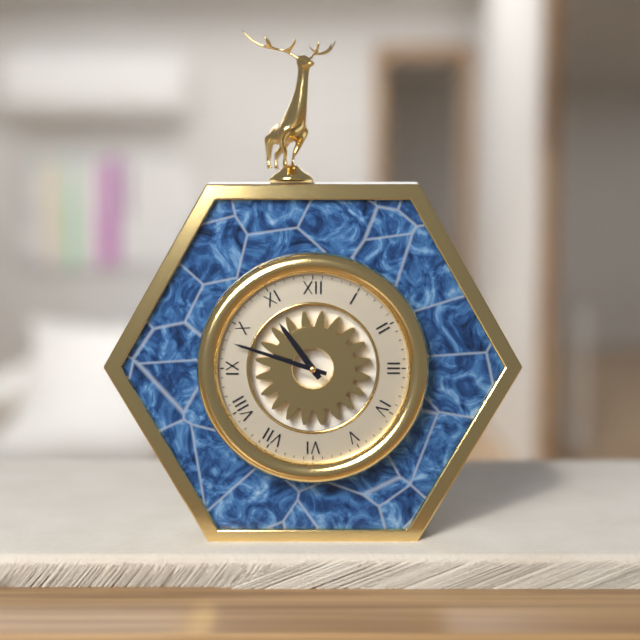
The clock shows 10.48
